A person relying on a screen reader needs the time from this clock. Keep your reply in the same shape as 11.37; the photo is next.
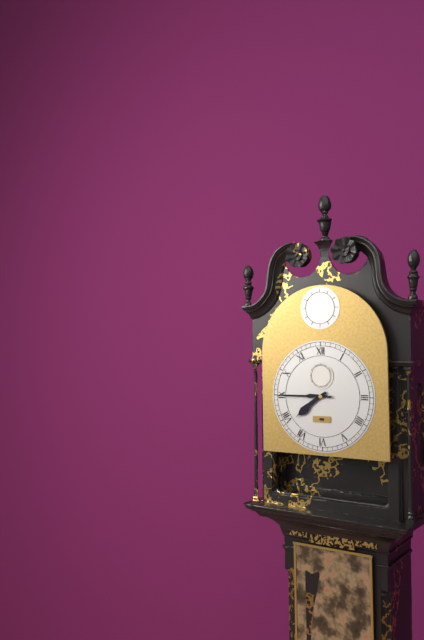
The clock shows 7.45
